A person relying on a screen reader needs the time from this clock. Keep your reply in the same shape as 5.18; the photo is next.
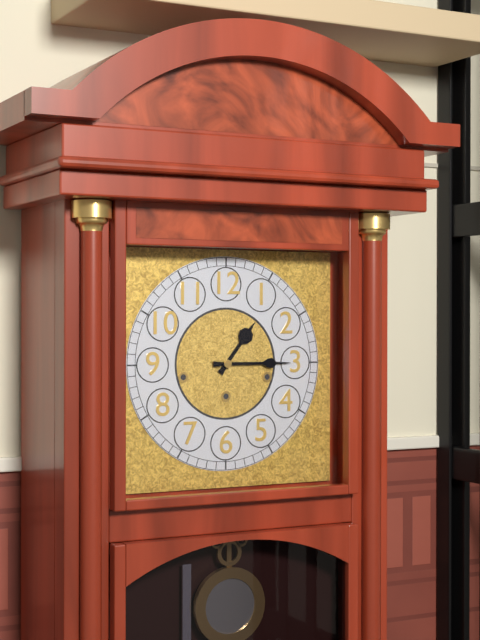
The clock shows 1.15
